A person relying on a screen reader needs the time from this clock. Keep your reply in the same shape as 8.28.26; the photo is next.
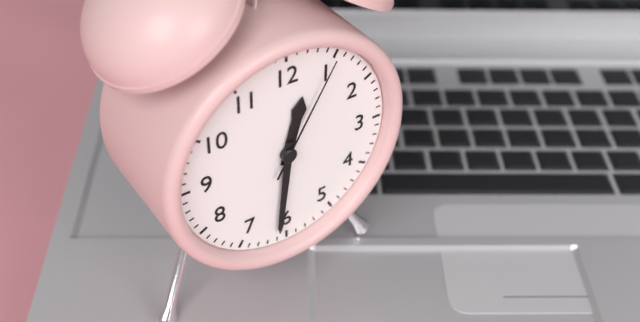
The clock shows 12.31.05
